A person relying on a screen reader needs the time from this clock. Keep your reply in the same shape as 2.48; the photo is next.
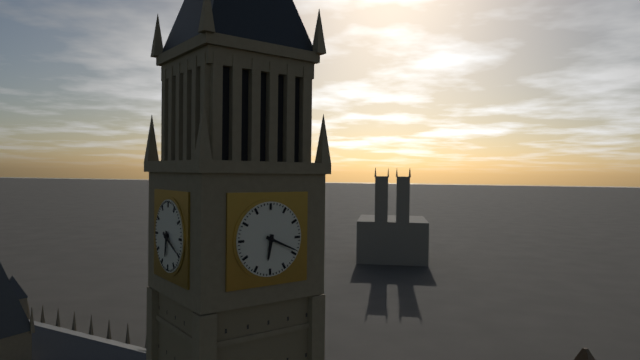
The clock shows 6.19
